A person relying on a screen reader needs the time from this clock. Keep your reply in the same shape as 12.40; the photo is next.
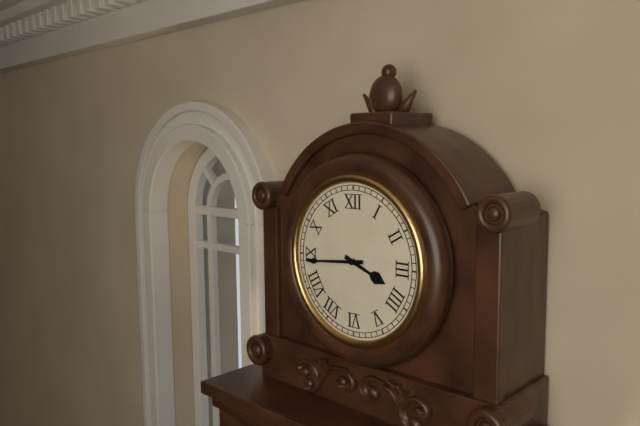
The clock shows 3.44
